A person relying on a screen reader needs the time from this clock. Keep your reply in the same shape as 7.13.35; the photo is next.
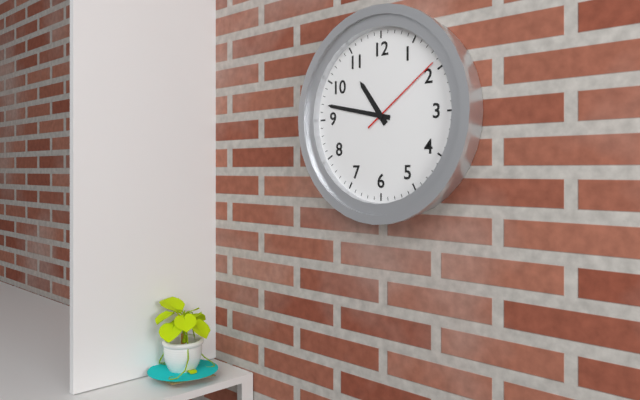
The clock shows 10.47.09
